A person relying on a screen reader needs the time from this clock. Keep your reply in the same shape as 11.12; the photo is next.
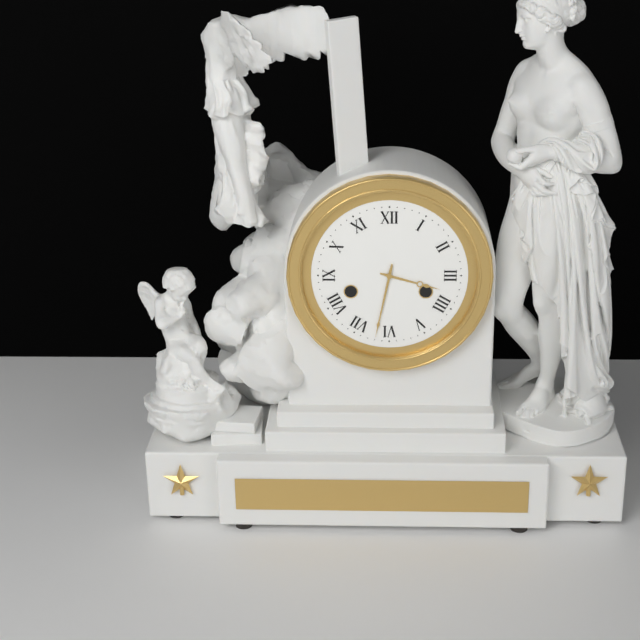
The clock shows 3.32
